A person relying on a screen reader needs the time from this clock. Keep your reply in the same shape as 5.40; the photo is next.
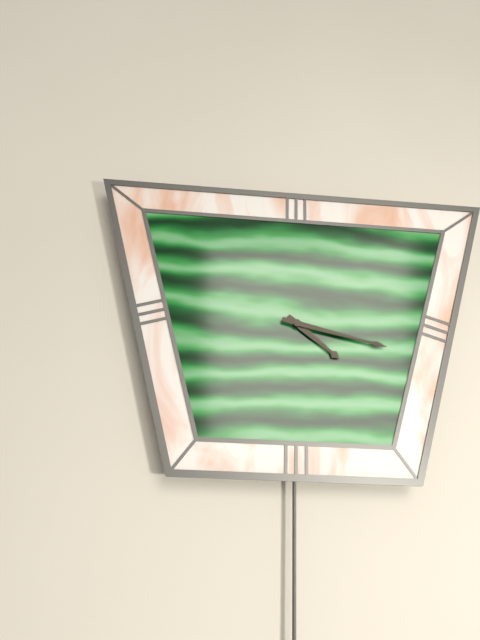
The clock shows 4.17
